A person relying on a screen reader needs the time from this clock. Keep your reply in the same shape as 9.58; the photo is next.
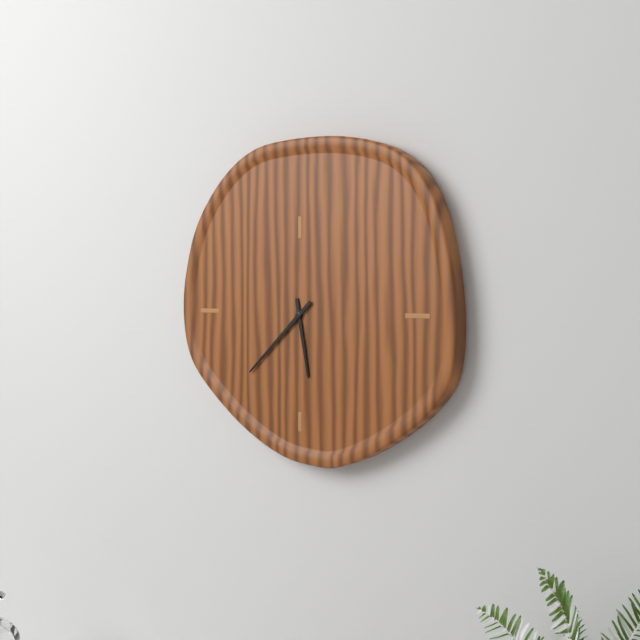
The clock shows 5.38
